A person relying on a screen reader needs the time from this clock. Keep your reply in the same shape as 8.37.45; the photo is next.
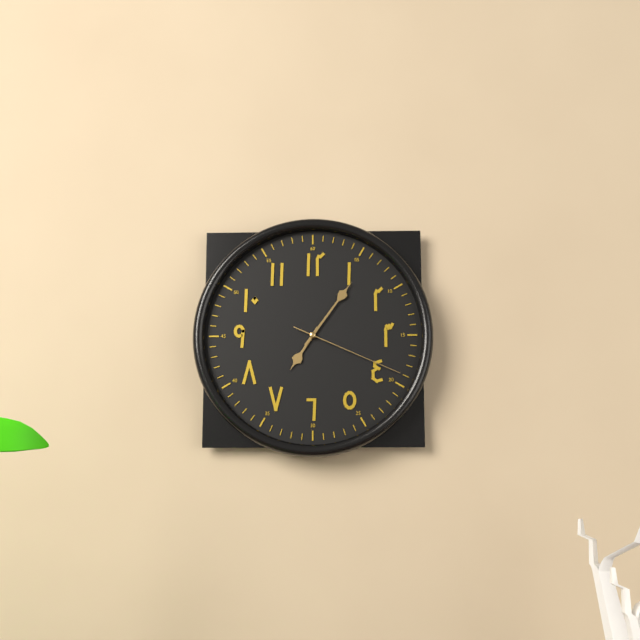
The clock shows 7.06.19
